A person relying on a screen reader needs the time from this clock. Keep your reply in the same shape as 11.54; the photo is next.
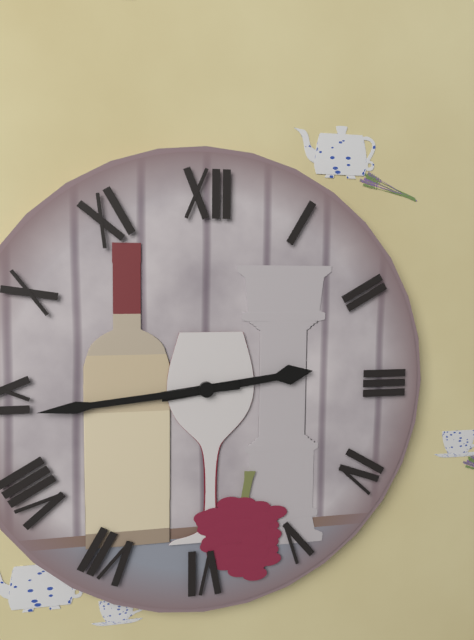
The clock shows 2.44
